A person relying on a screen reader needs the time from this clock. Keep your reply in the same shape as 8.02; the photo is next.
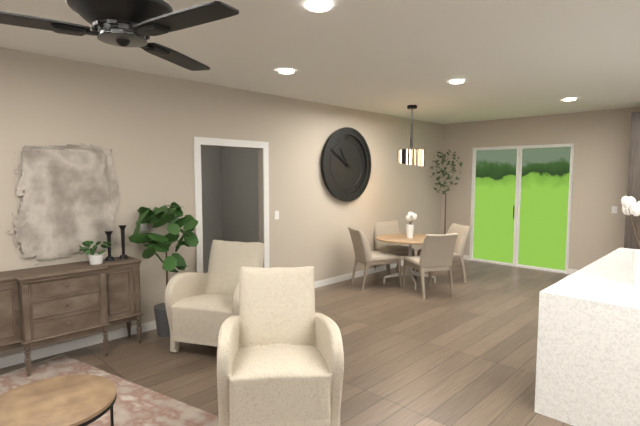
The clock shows 10.50
